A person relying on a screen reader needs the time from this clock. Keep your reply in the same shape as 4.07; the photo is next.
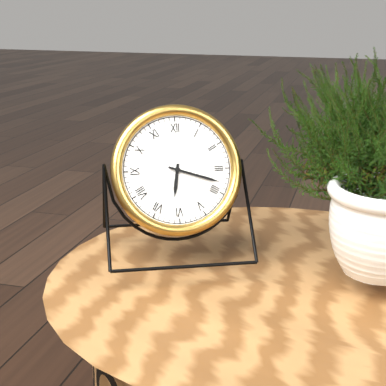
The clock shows 6.18
